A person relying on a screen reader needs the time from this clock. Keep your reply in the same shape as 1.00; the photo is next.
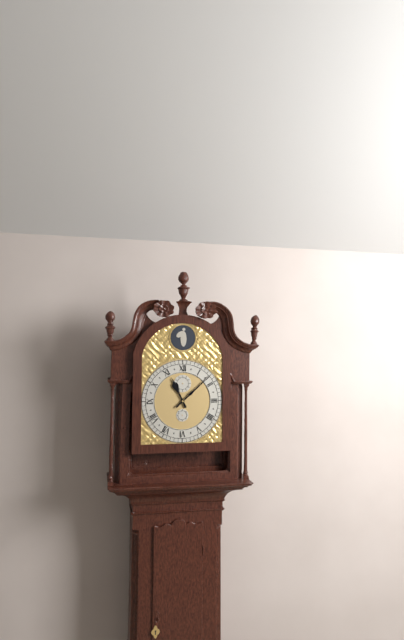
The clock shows 11.08
